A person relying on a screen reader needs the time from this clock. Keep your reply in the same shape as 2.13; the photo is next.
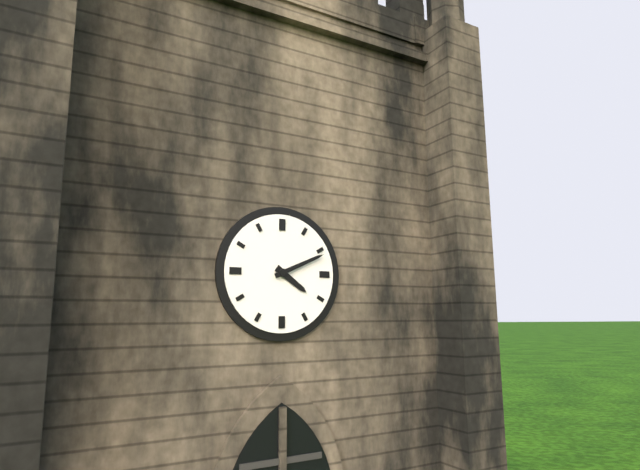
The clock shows 4.11
